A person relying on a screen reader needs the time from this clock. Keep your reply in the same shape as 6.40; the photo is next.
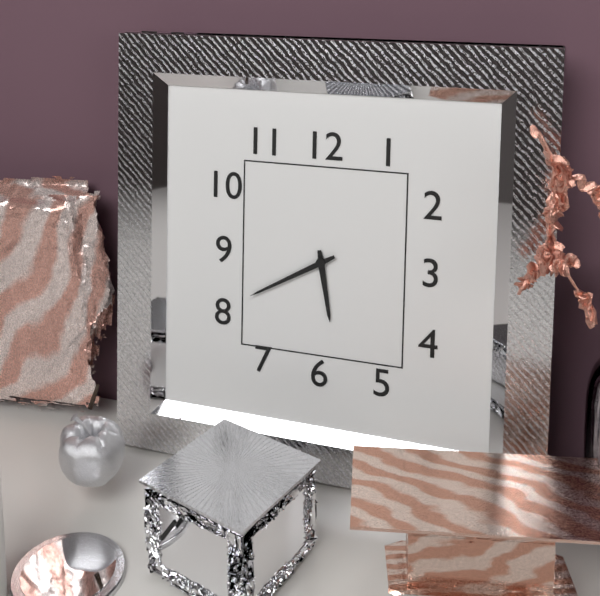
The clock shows 5.40
